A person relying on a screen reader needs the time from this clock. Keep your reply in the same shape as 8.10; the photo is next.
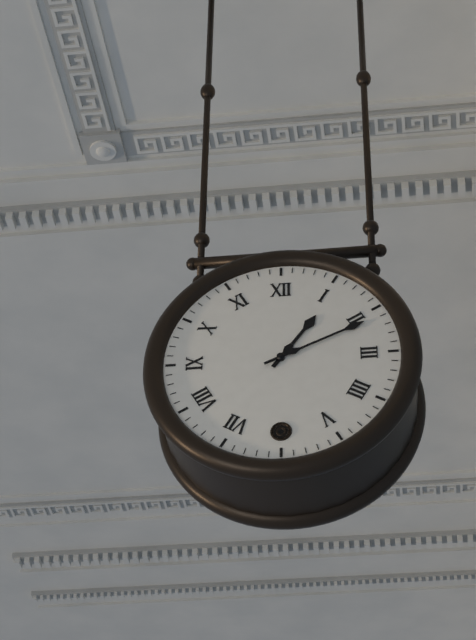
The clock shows 1.11
